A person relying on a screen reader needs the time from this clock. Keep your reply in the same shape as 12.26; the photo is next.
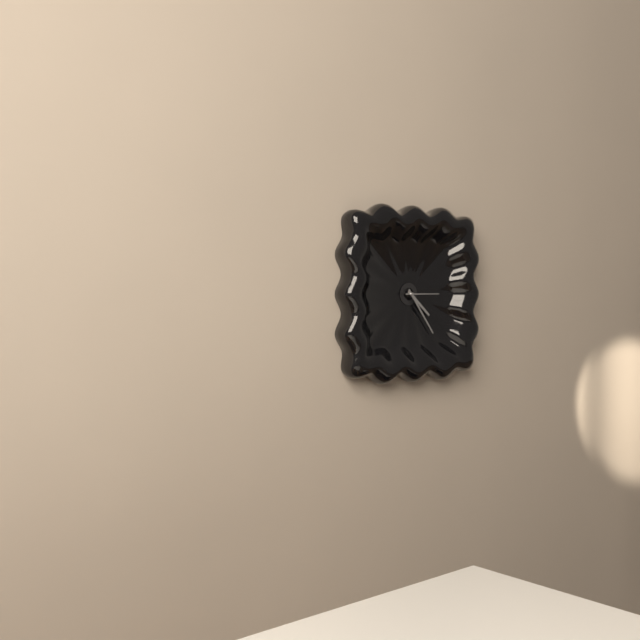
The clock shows 4.24
